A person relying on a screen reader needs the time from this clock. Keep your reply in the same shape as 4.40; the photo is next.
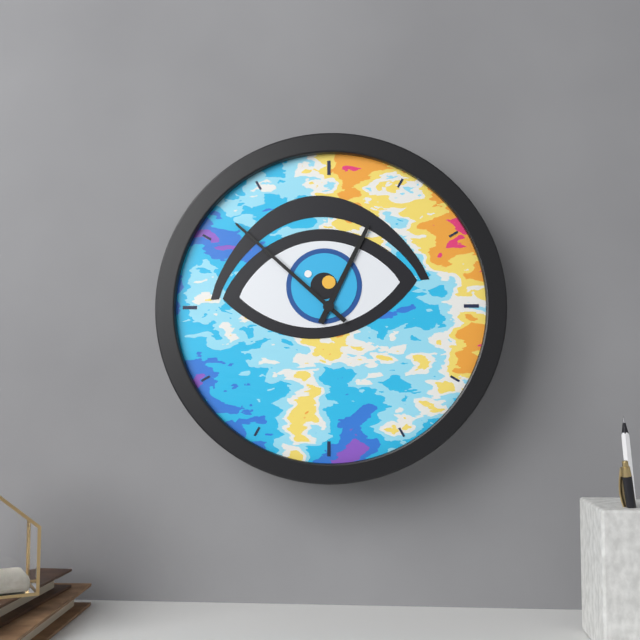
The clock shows 12.52
